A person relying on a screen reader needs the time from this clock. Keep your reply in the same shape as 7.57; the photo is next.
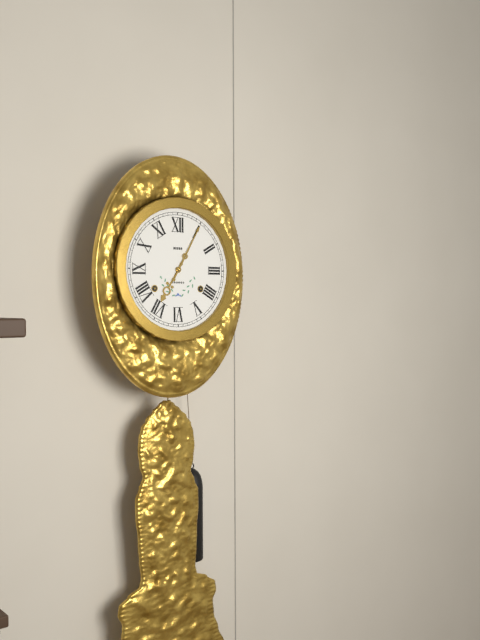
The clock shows 7.05
